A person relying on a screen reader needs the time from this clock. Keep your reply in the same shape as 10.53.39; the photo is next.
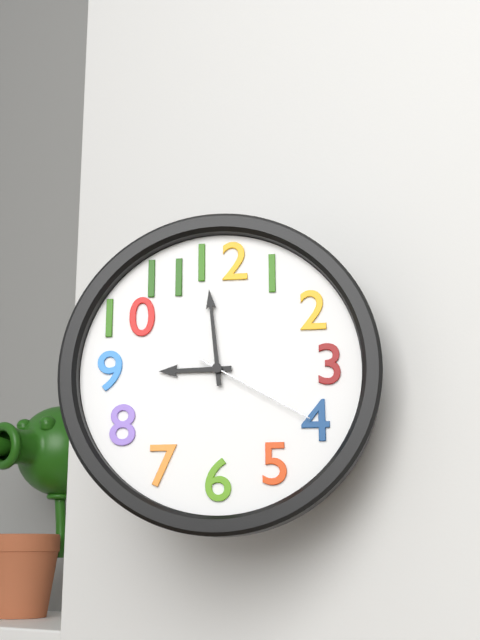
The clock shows 8.59.20
